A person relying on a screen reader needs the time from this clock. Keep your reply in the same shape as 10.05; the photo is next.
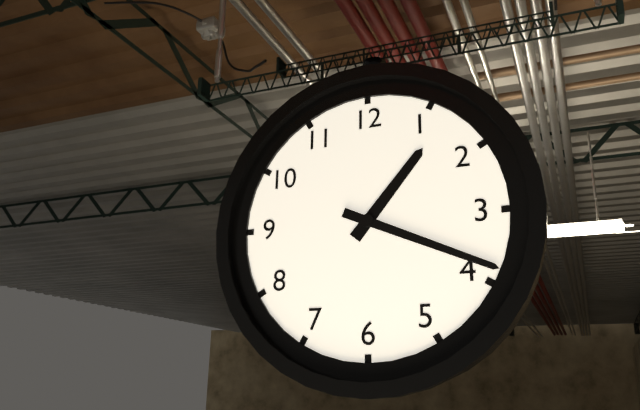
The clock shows 1.19
